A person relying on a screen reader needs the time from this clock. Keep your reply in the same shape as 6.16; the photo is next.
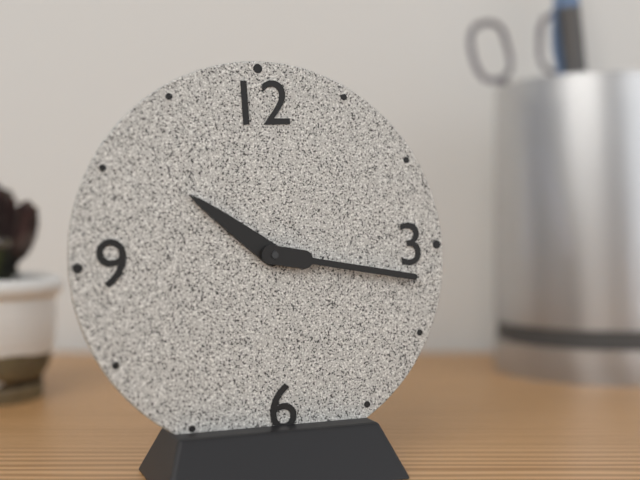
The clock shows 10.17
